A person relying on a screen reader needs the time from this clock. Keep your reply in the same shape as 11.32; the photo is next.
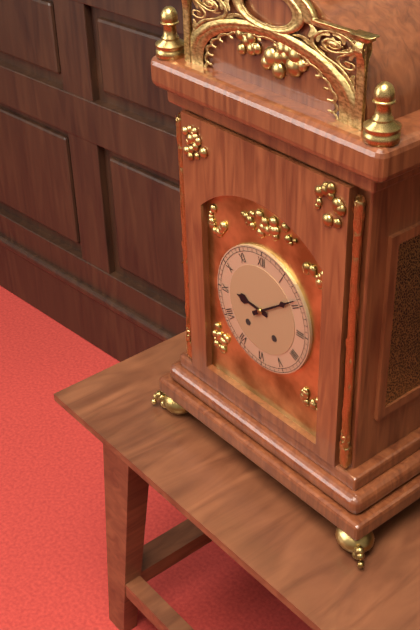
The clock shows 9.09
